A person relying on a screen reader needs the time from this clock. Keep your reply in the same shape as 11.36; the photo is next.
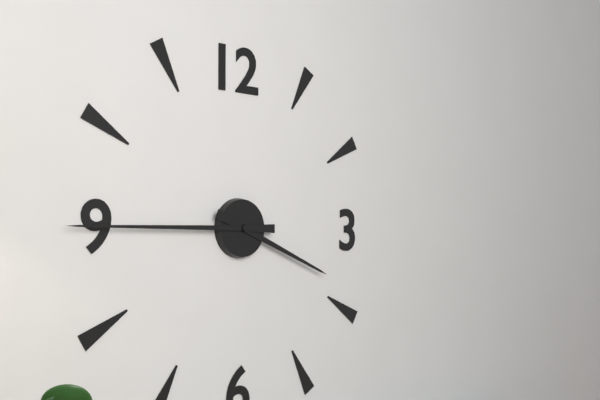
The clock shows 3.45
